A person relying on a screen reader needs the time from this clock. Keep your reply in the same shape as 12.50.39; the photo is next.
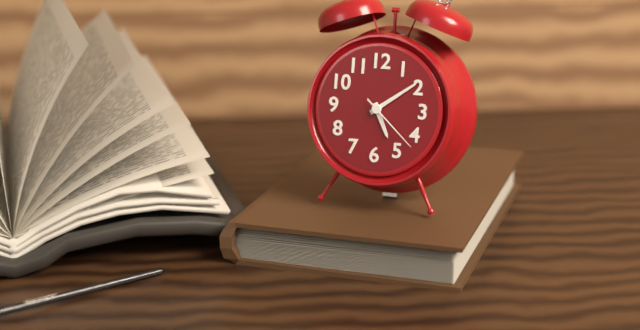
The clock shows 5.09.22
